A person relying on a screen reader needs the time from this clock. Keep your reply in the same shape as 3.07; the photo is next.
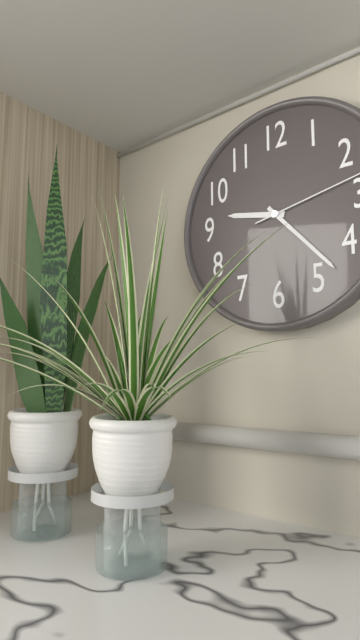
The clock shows 9.23
